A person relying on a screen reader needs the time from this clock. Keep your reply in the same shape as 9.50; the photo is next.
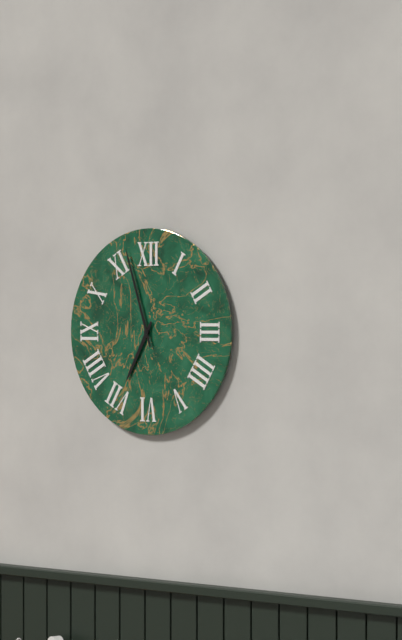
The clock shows 6.57
